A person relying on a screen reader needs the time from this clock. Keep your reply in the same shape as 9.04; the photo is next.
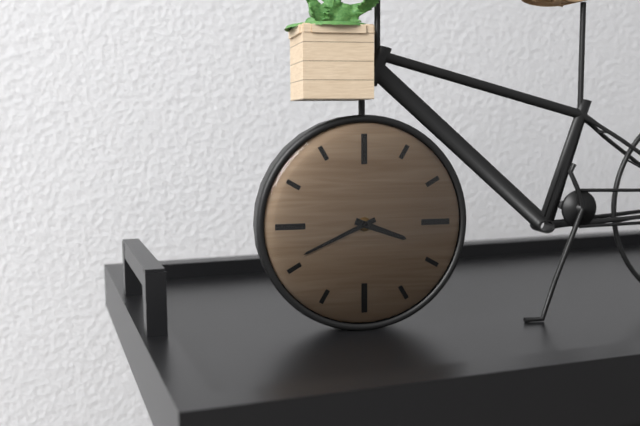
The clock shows 3.41
